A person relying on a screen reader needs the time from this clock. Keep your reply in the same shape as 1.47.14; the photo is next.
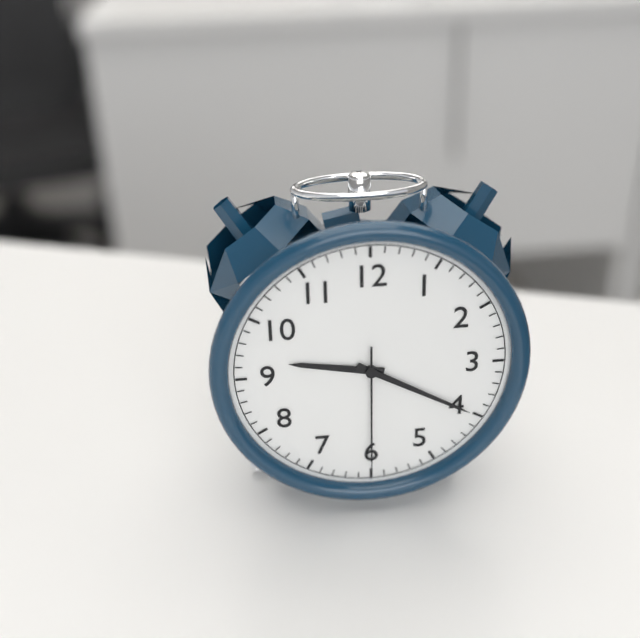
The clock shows 9.20.30
